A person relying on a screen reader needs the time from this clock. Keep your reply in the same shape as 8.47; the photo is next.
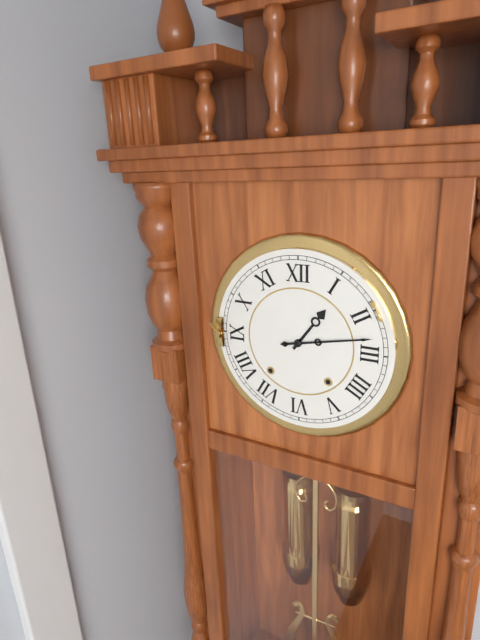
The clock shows 1.13
